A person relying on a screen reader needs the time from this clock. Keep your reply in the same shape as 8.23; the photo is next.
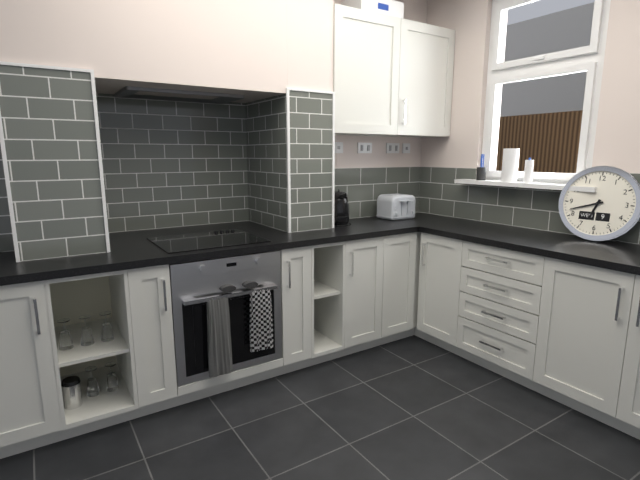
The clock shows 6.42
